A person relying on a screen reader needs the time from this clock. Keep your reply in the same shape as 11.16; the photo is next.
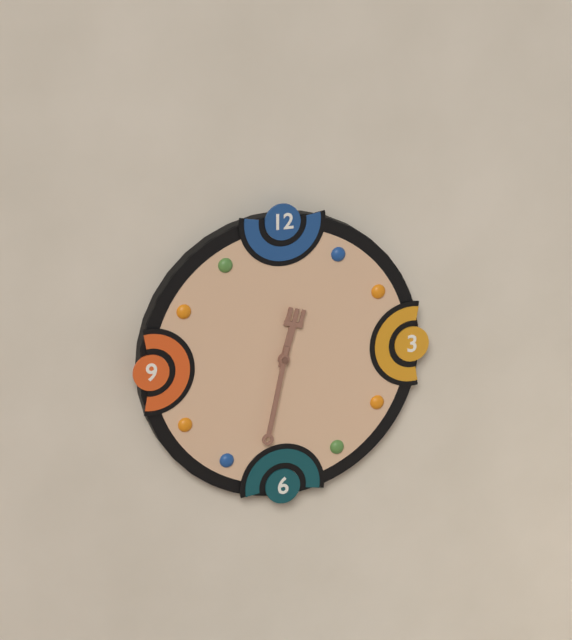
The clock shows 12.32
